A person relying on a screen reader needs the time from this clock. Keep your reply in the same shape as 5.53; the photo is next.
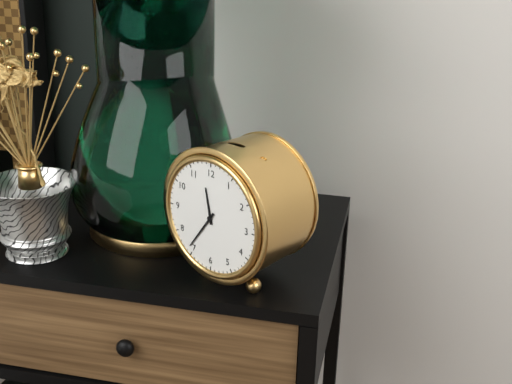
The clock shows 11.36
